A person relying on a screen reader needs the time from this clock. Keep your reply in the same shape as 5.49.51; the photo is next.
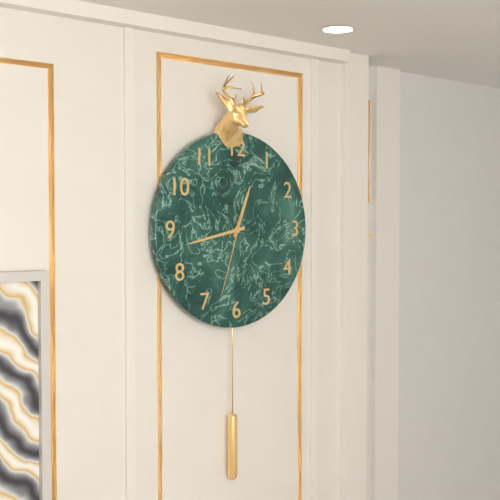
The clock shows 12.43.33
